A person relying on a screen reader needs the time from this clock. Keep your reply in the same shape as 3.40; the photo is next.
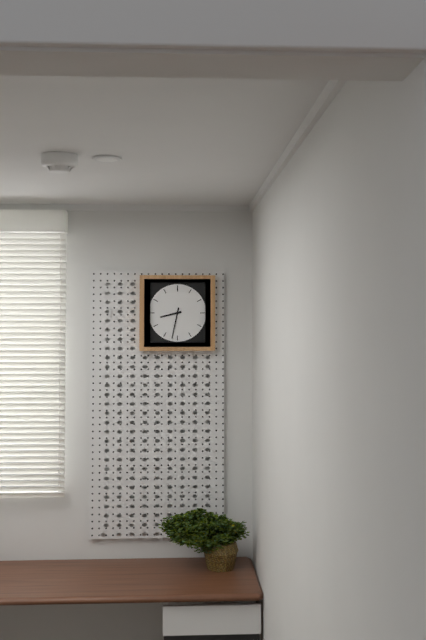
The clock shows 8.32
